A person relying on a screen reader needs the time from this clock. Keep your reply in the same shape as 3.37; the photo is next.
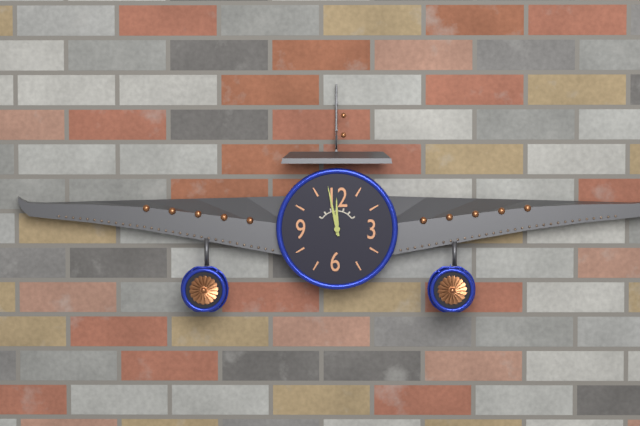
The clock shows 11.58
